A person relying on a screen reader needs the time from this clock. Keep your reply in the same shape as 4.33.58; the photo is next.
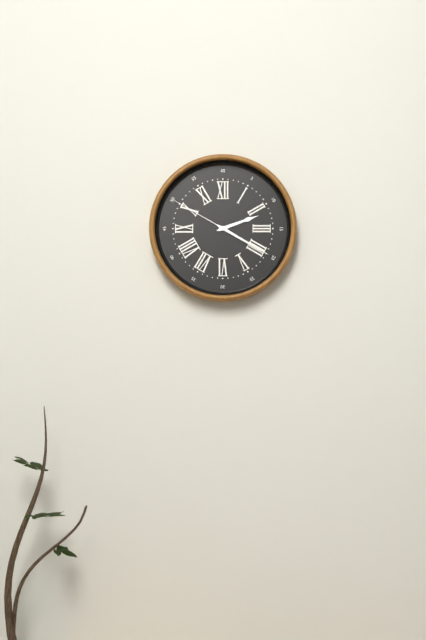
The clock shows 2.20.50
